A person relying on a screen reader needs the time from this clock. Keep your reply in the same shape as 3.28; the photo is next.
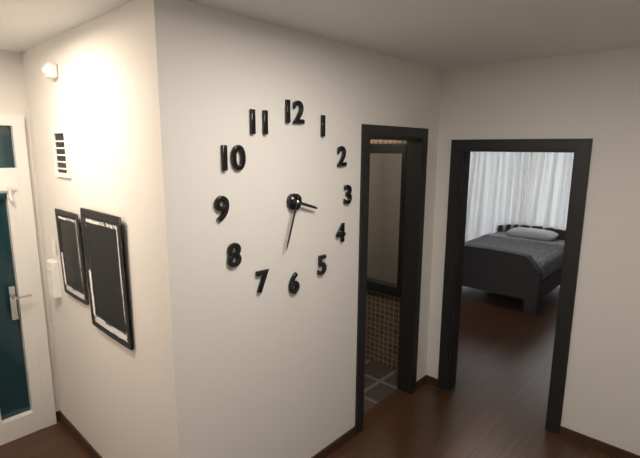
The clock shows 3.33
